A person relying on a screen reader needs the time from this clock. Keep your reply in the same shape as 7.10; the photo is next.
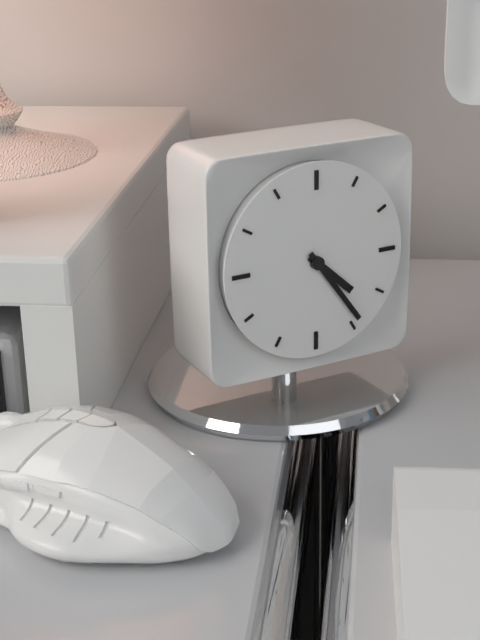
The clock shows 4.24
